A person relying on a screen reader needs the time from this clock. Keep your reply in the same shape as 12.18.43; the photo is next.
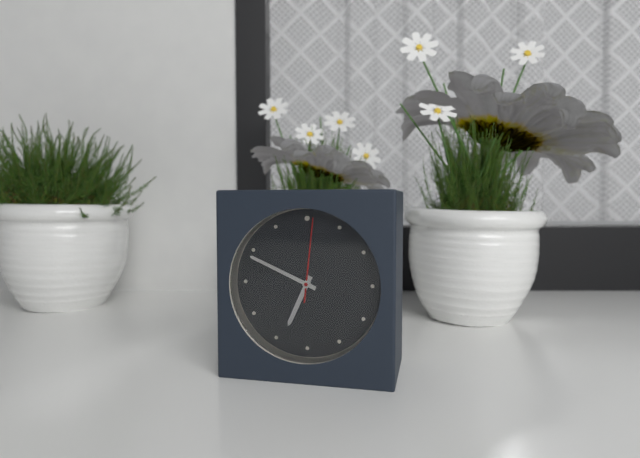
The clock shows 6.49.01
